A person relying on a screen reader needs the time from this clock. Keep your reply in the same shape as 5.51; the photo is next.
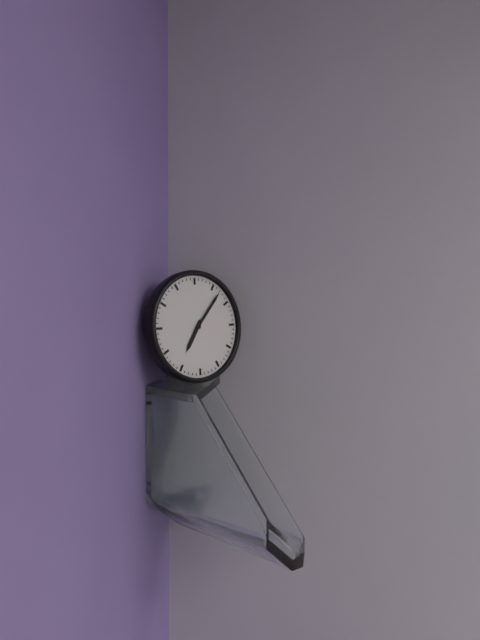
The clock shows 7.07
